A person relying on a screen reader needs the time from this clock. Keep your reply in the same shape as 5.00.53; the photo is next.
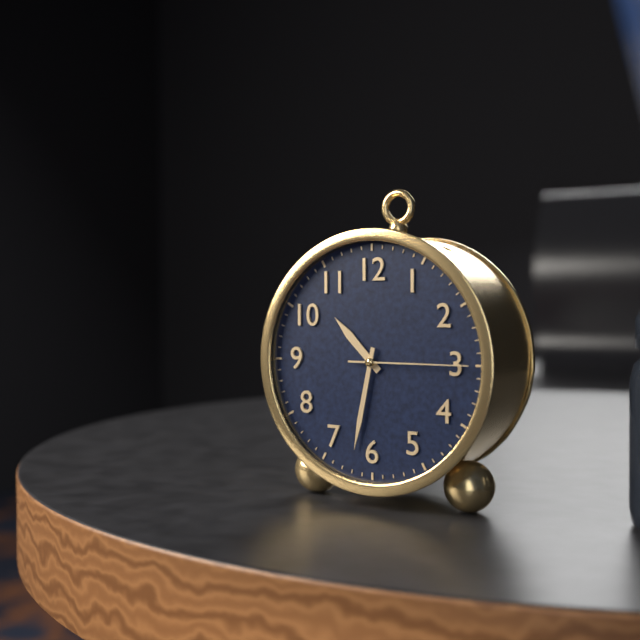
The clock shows 10.32.15
